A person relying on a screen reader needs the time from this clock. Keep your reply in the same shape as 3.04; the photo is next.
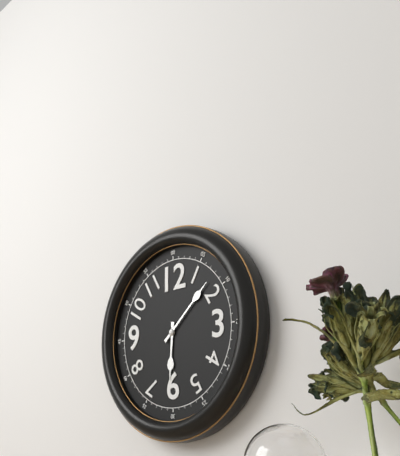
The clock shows 6.08
